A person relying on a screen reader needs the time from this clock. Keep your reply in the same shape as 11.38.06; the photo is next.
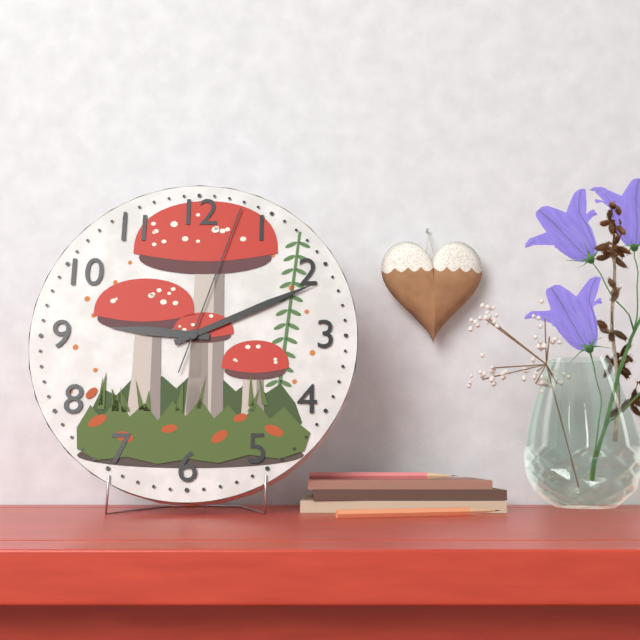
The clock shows 9.11.03
